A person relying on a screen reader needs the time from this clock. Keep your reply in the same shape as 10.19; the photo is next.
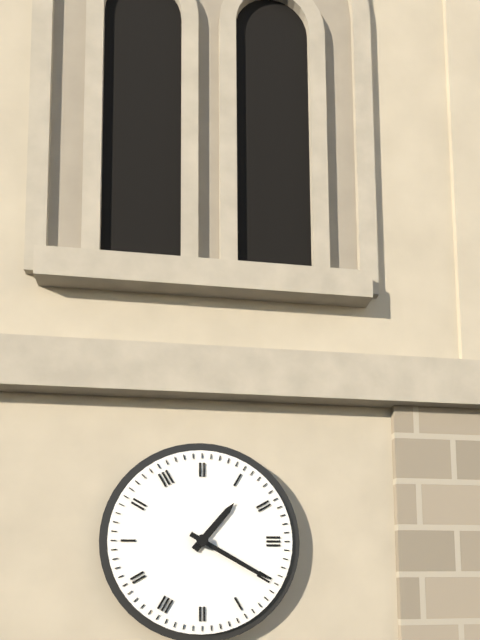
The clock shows 1.20
